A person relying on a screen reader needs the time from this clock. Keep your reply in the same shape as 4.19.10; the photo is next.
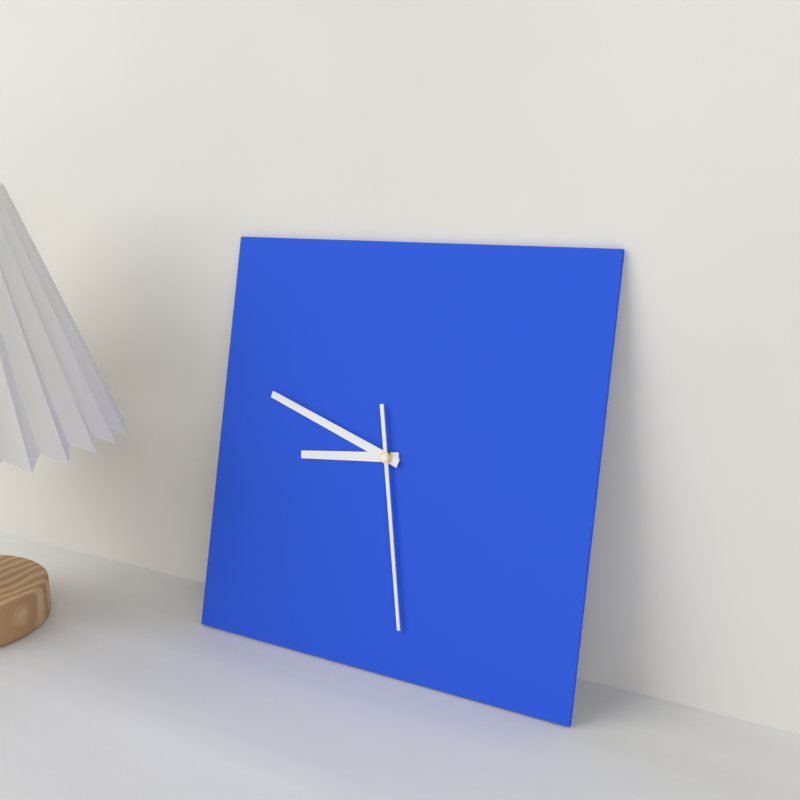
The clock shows 8.48.28
